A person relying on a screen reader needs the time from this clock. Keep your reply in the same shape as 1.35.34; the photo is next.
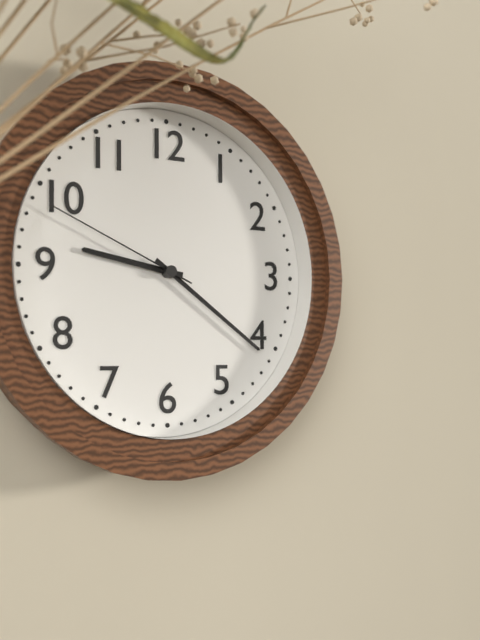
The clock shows 9.21.49
